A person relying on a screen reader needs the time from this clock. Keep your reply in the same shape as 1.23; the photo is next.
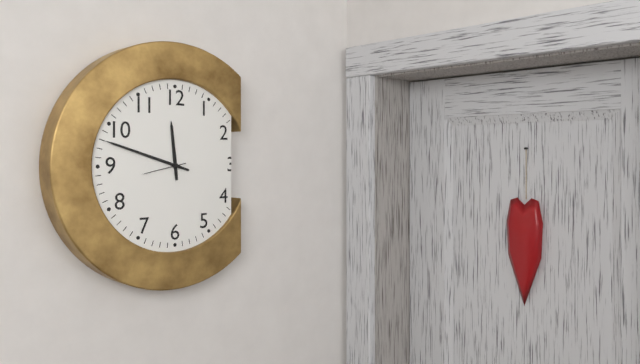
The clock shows 11.48
